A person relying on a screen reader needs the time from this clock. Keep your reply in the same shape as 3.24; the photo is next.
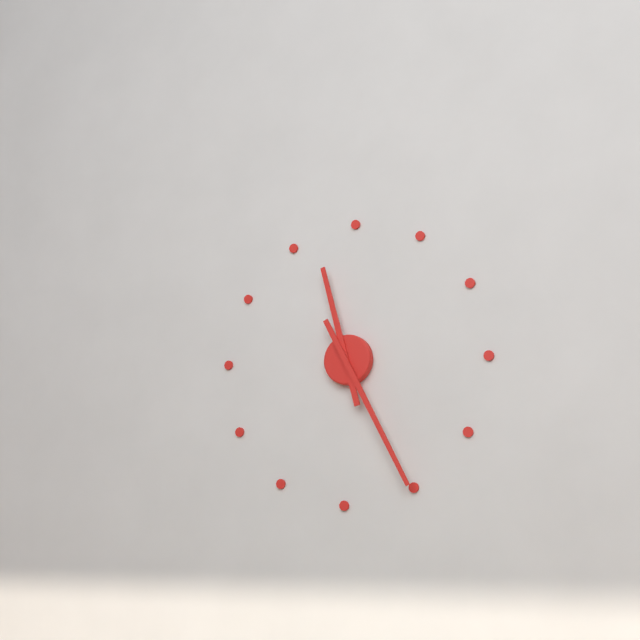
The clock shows 11.25
